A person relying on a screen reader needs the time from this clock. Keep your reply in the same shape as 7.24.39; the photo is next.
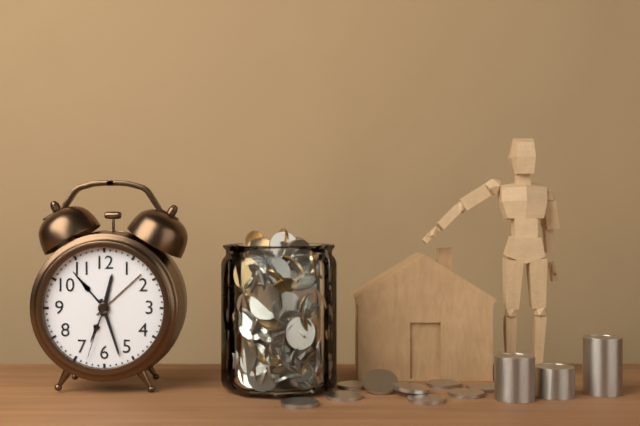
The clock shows 12.27.33
